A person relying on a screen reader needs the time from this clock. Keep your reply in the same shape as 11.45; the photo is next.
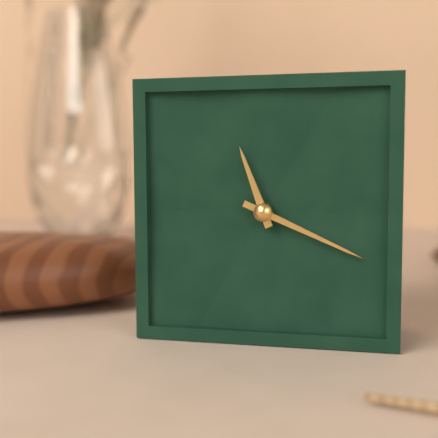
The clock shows 11.19
